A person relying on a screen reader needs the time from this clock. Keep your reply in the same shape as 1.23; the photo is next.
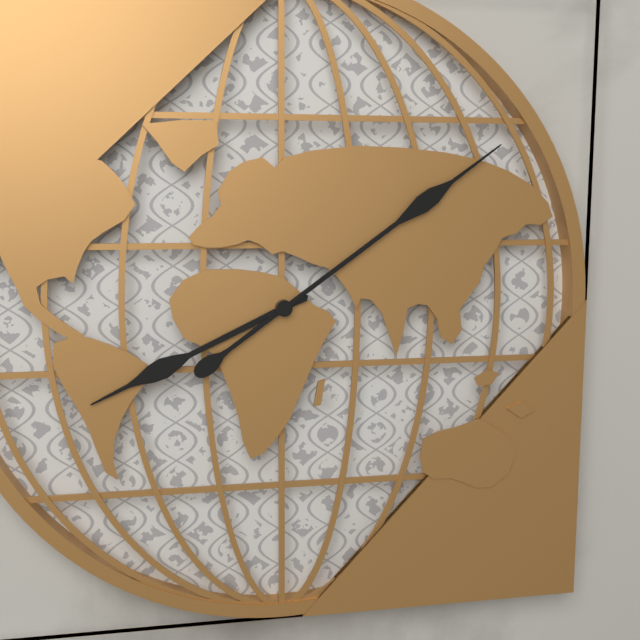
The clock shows 8.09
